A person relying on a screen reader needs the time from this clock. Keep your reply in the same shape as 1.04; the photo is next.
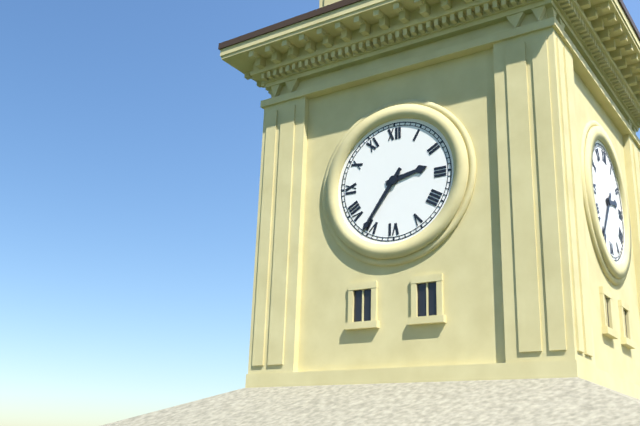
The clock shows 2.36
